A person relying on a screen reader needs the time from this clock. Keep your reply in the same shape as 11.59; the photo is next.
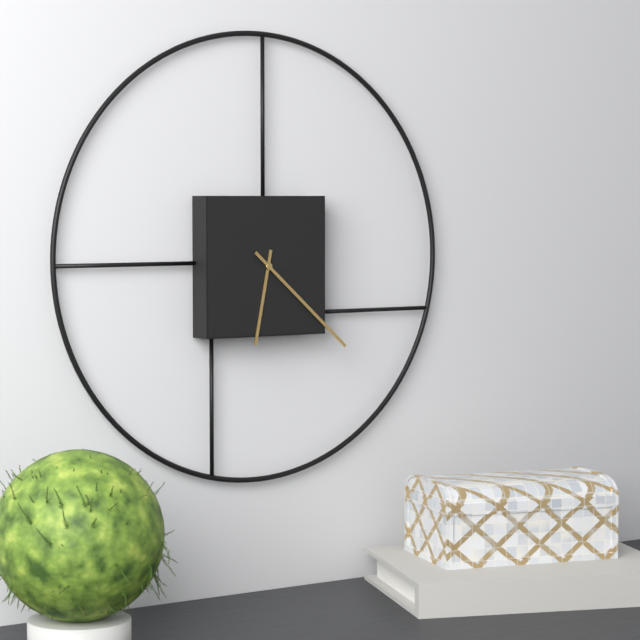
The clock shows 6.22
